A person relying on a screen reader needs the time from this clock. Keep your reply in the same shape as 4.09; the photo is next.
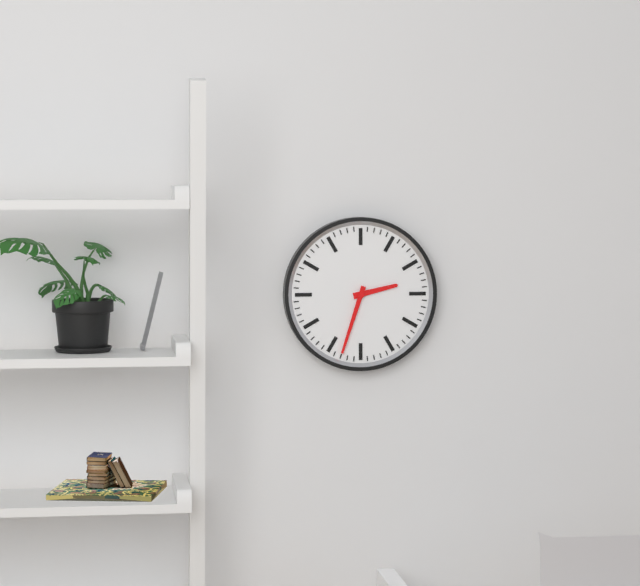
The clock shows 2.33
